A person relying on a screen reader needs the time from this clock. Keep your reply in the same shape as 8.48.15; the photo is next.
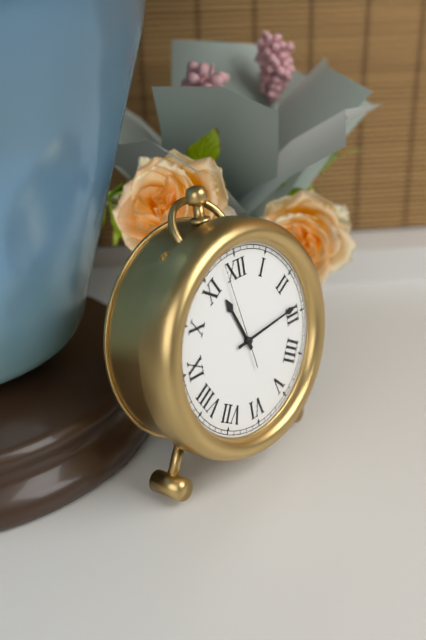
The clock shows 11.14.58
